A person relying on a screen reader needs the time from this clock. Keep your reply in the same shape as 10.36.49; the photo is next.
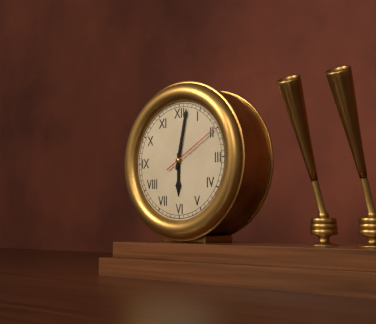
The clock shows 6.02.10
